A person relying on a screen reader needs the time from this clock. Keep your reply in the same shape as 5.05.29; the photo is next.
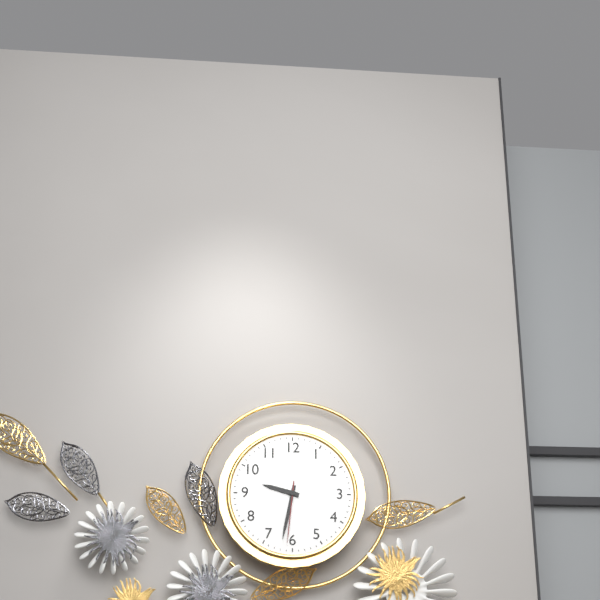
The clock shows 9.32.31
